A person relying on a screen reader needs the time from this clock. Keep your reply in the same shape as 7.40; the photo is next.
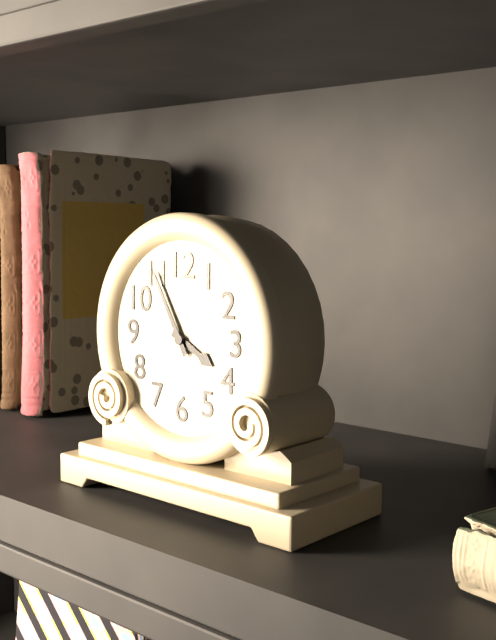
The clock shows 3.55
